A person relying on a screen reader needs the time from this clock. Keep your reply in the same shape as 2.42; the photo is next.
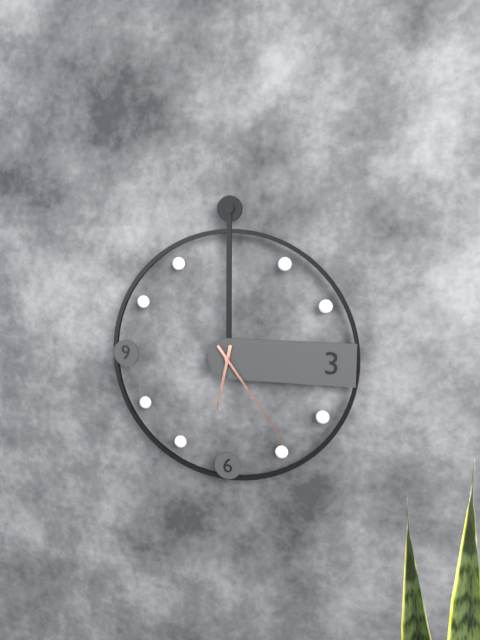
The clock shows 6.24
